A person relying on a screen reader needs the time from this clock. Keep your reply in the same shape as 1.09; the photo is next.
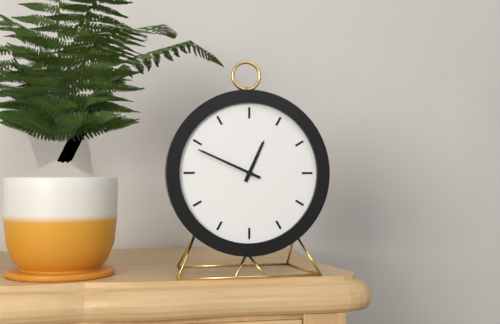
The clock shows 12.49
